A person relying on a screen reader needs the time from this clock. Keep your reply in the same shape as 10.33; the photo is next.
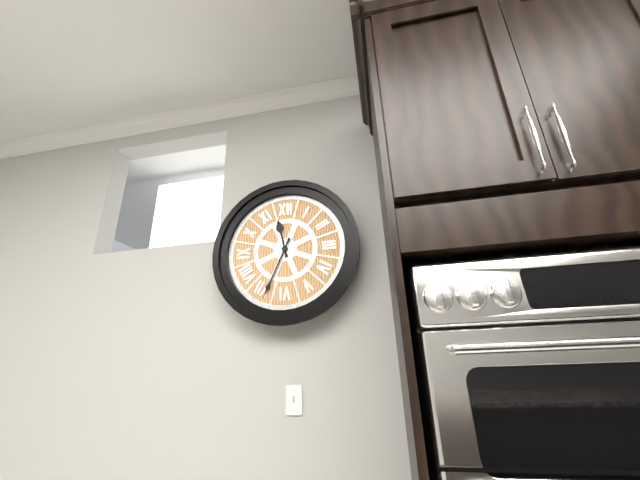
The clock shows 11.34
